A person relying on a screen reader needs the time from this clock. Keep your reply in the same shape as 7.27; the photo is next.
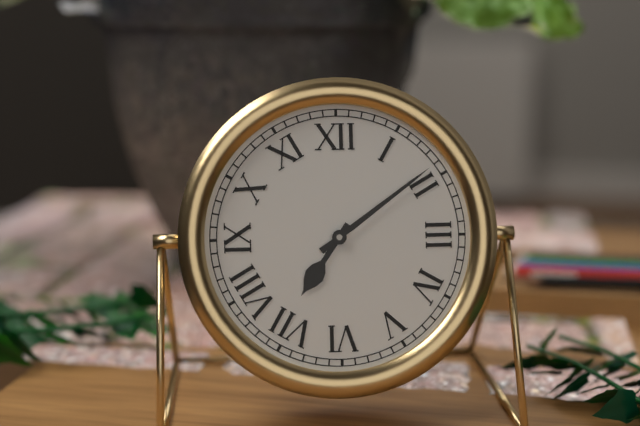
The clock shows 7.09
